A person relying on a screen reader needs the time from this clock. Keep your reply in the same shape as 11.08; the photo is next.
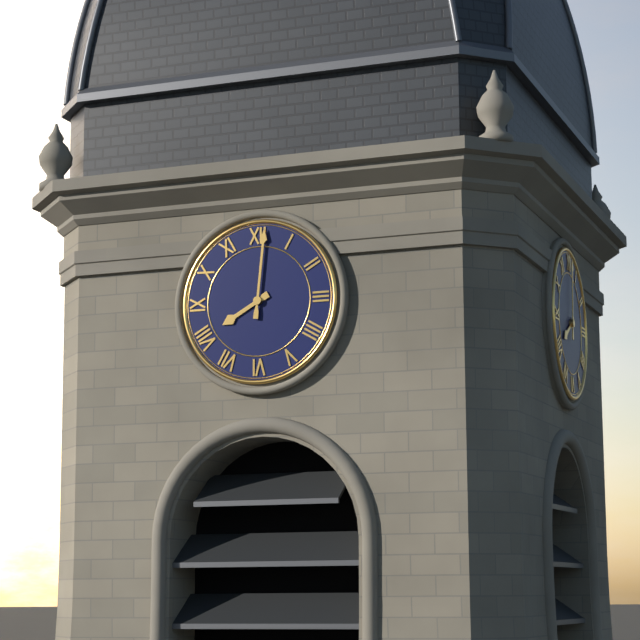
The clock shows 8.01
